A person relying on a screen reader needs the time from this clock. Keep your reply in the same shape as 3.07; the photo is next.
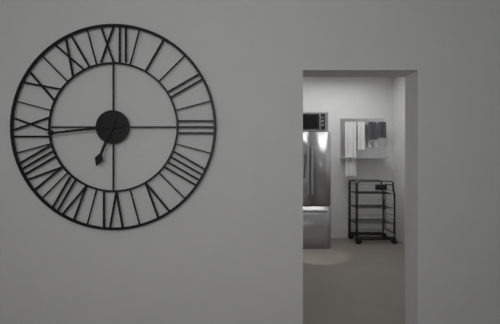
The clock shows 6.44
